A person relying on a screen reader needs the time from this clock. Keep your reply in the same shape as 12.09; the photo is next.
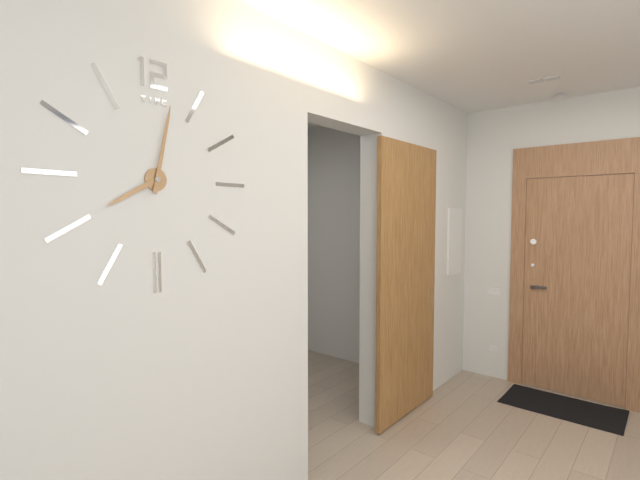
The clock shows 8.02
